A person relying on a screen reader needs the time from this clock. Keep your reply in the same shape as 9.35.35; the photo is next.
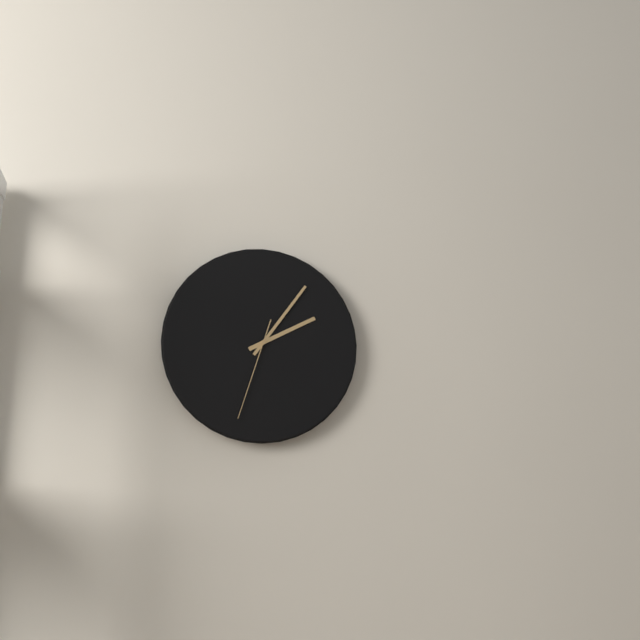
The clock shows 2.06.33
